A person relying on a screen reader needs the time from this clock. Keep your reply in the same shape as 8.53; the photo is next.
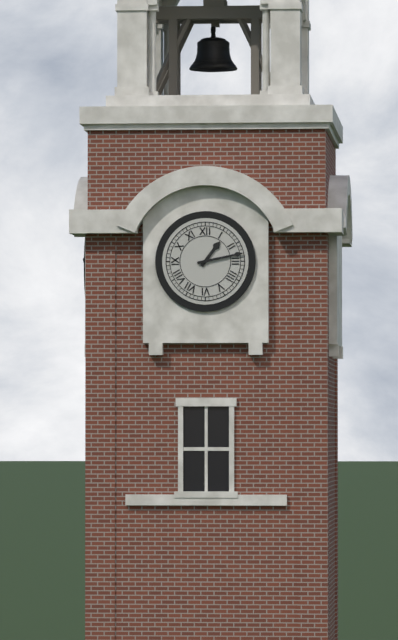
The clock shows 1.13
